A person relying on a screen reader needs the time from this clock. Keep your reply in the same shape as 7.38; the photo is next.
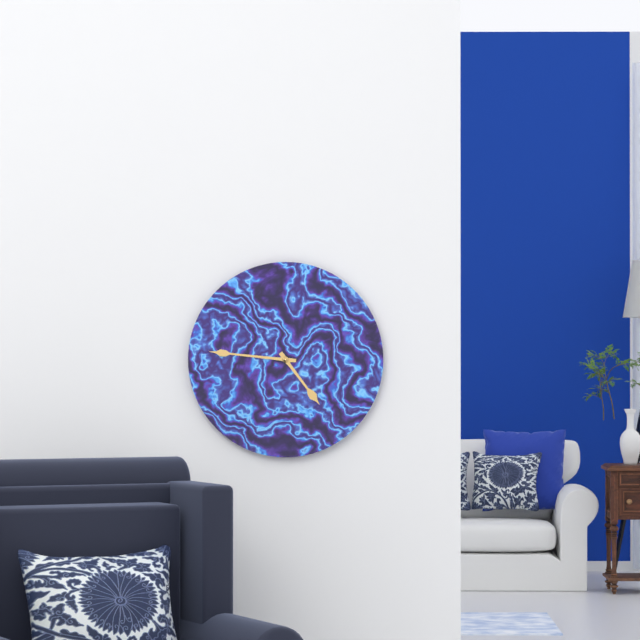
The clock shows 4.46
